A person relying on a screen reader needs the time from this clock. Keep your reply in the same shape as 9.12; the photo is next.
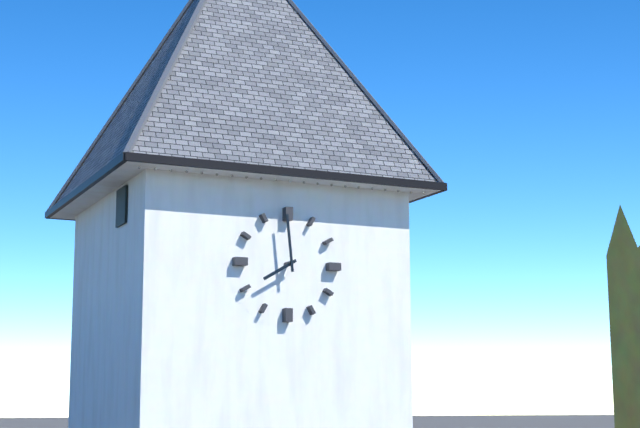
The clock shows 7.59
